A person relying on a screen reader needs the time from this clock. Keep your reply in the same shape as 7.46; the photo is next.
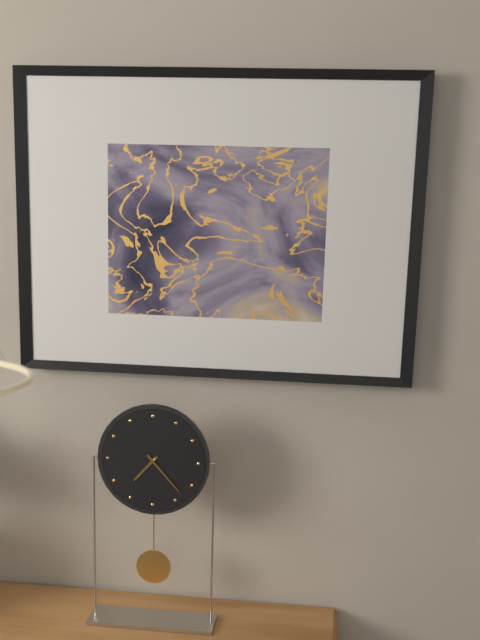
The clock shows 7.23
